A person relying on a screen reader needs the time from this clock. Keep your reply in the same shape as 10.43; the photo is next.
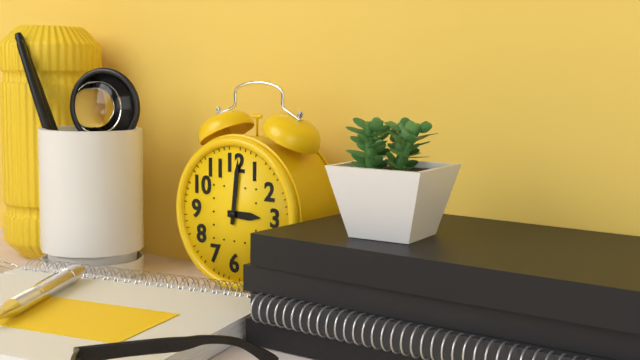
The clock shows 3.01
